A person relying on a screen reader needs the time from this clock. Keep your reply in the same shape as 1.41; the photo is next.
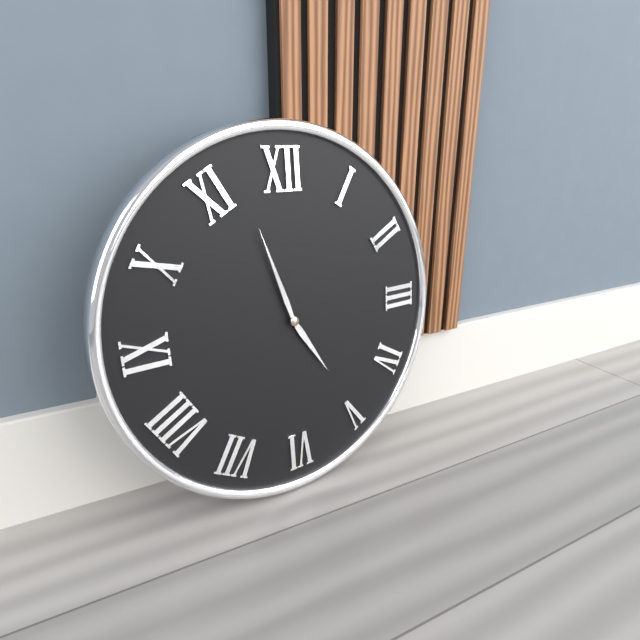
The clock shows 4.57
